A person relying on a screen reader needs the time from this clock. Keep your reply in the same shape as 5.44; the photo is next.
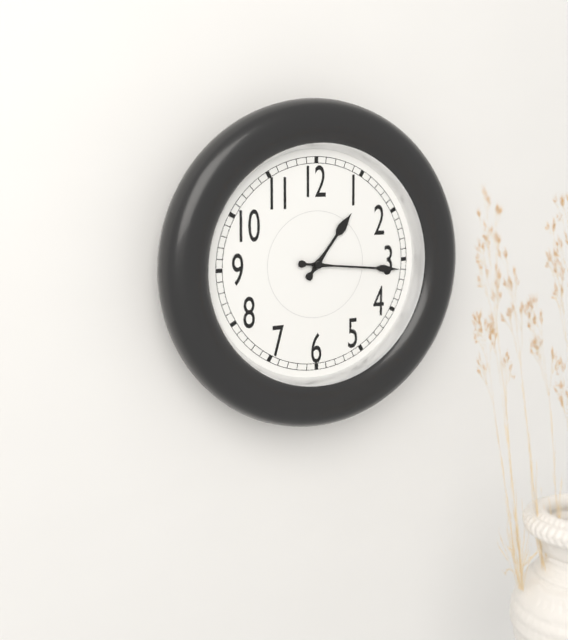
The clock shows 1.16
